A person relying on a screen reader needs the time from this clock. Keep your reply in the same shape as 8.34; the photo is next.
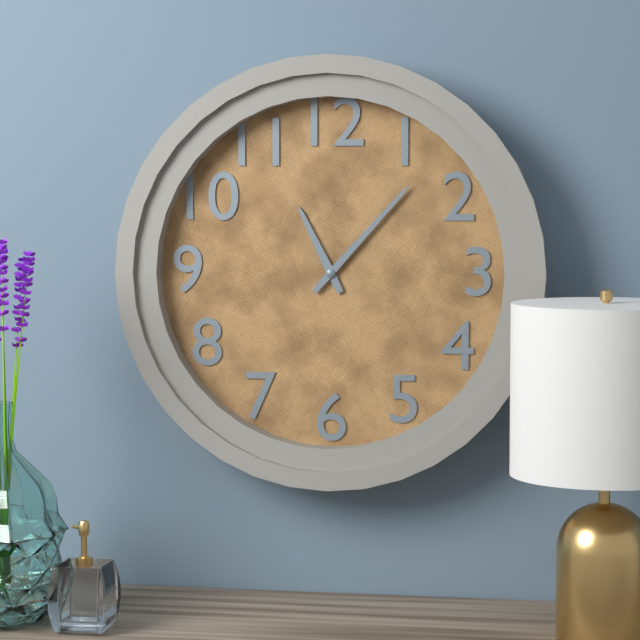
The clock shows 11.07
